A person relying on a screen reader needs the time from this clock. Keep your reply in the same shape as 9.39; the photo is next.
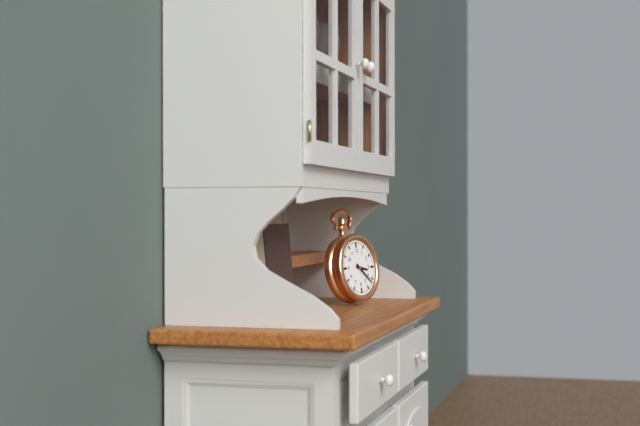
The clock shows 3.22
